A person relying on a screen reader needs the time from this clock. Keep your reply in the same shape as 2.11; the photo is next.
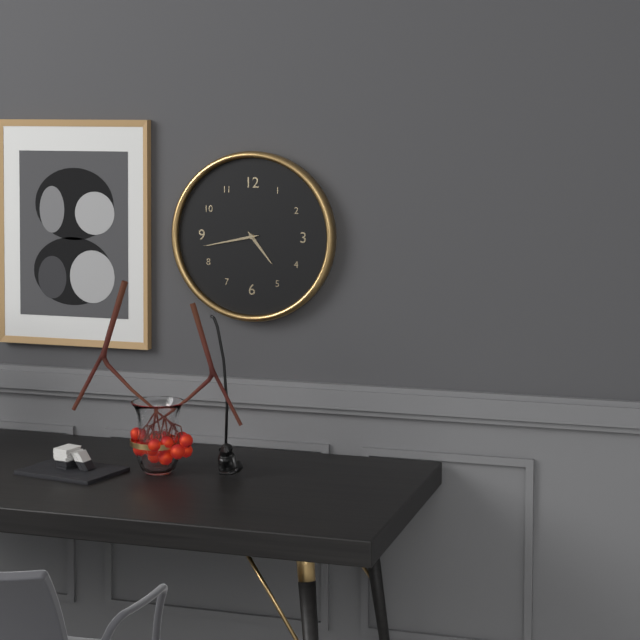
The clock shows 4.43
